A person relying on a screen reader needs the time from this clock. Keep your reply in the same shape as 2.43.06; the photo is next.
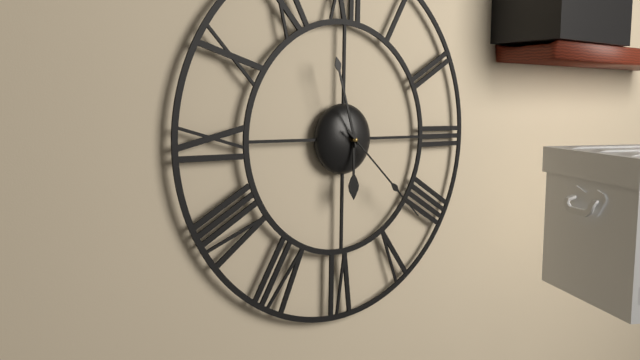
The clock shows 5.57.22
